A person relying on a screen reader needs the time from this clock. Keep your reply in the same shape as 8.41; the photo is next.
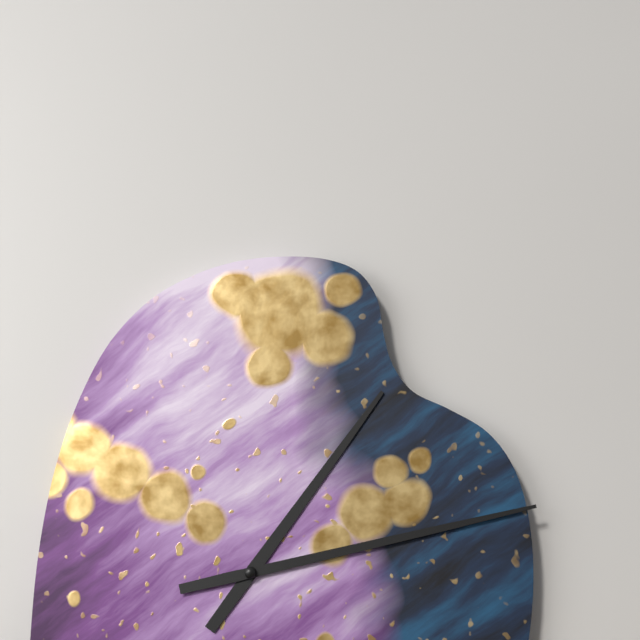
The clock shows 1.13
